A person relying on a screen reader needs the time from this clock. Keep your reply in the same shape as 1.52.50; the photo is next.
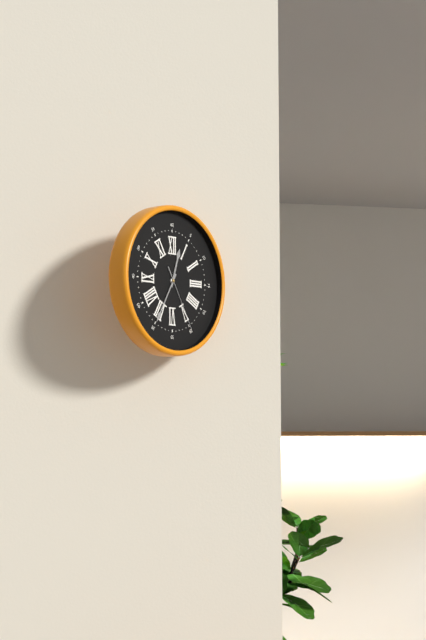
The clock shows 12.35.25
